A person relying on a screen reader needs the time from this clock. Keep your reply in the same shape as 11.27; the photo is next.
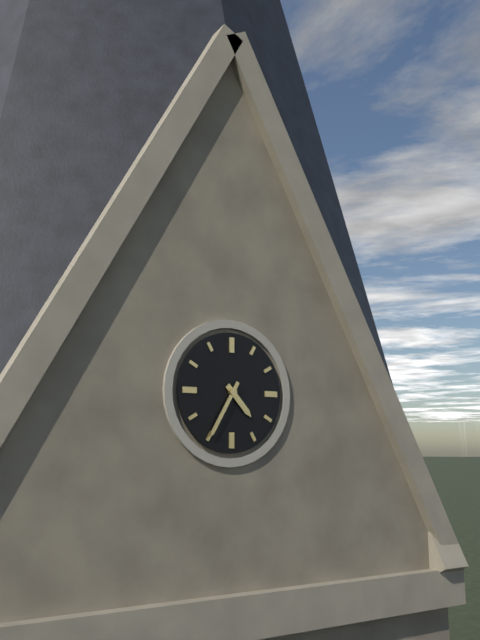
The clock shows 4.35
